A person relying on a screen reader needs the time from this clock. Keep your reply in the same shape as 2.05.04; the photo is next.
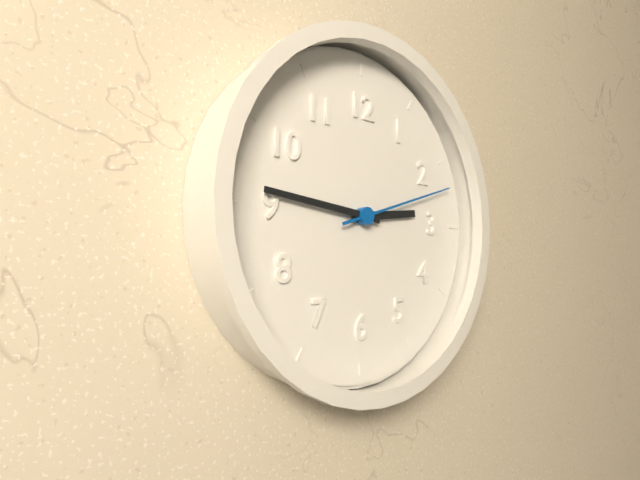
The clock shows 2.46.12
